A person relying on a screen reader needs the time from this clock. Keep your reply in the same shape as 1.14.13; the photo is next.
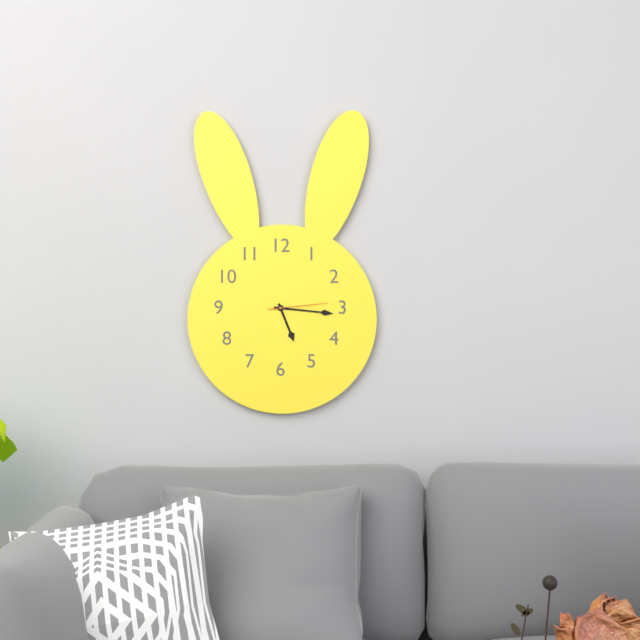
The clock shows 5.16.14
